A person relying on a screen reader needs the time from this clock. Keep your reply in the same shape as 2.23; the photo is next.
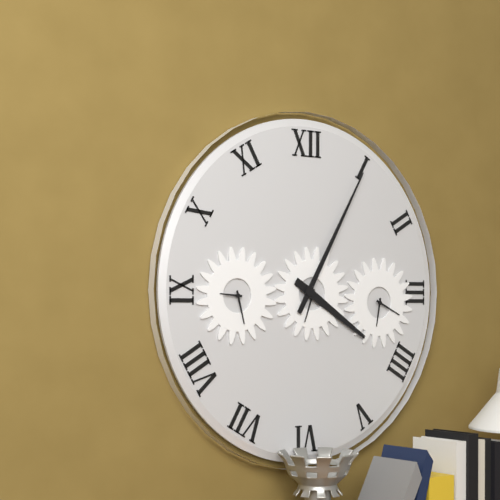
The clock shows 4.05
